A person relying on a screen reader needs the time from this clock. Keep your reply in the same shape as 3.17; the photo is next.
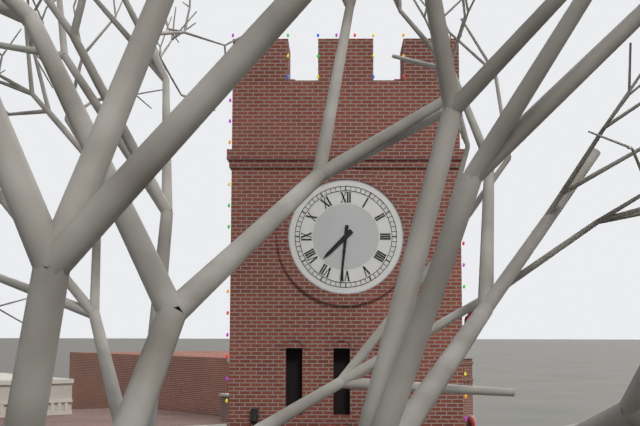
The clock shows 7.31
